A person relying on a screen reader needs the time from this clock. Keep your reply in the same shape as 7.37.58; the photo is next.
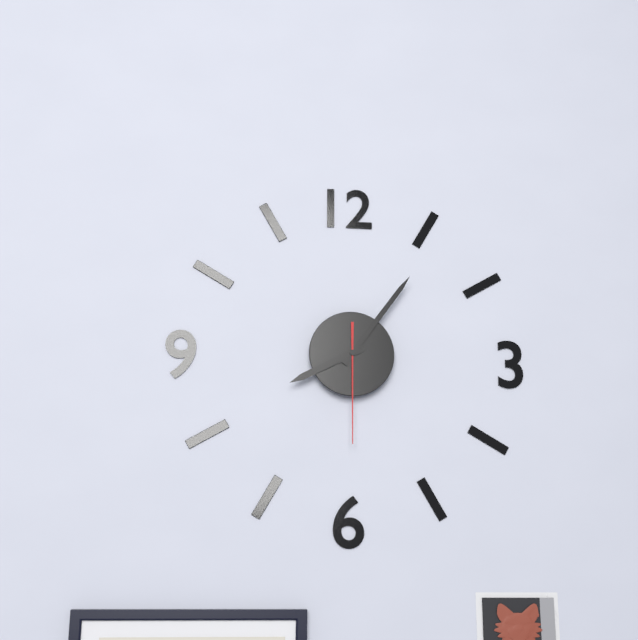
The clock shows 8.06.30
